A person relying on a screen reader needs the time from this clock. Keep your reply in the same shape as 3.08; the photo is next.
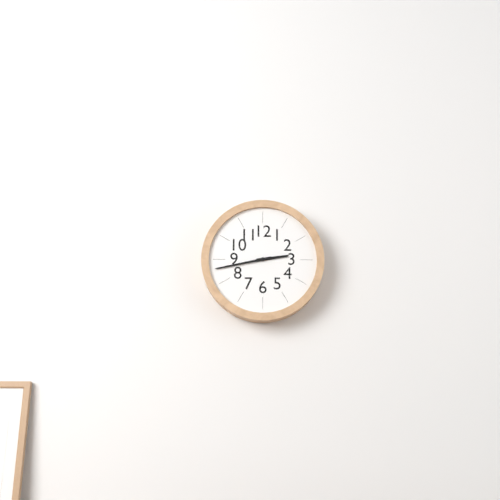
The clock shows 2.43
